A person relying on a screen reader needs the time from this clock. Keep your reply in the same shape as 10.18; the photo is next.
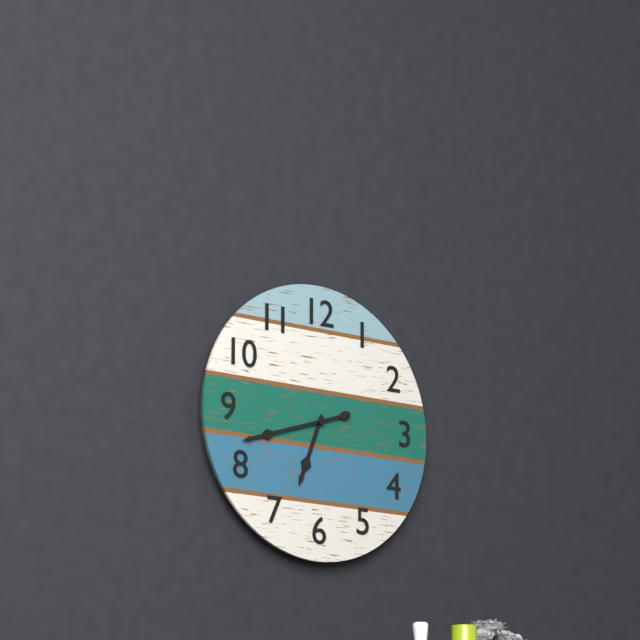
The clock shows 6.42
